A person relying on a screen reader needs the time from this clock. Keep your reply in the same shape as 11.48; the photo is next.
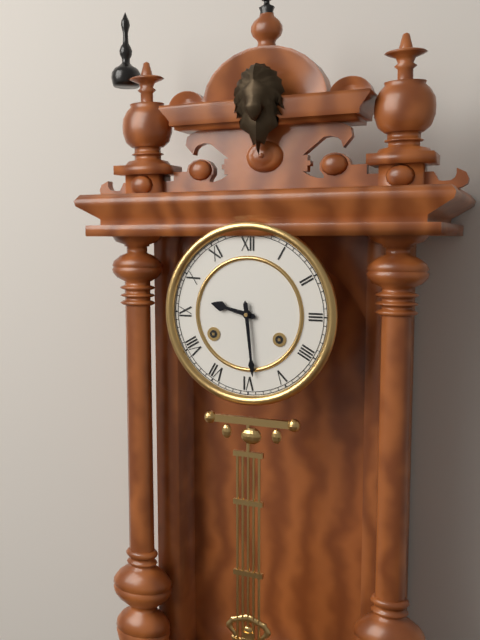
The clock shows 9.29
